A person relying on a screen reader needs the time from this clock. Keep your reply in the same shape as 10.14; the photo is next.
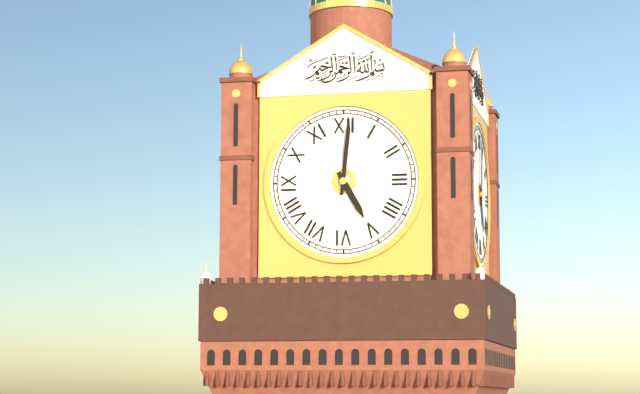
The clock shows 5.01
